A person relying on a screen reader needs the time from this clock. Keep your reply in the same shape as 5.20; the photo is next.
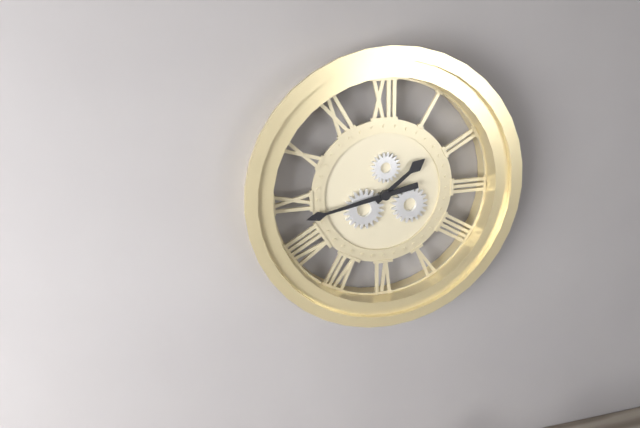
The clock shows 1.43
